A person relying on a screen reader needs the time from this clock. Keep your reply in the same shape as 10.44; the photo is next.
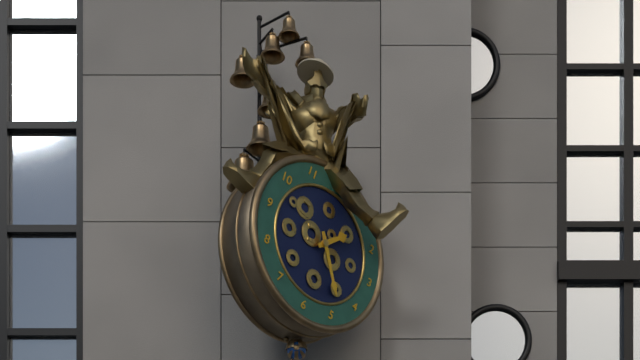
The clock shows 1.24
